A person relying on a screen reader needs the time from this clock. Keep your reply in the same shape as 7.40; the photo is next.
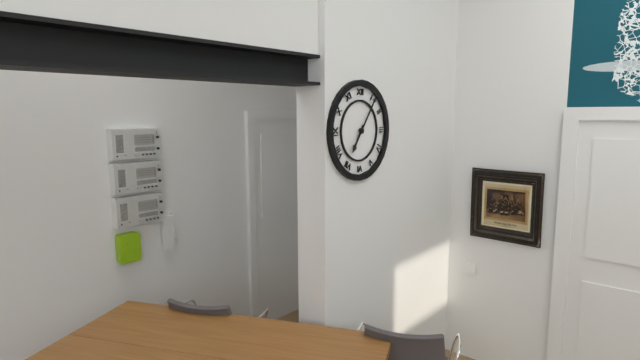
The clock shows 7.06
